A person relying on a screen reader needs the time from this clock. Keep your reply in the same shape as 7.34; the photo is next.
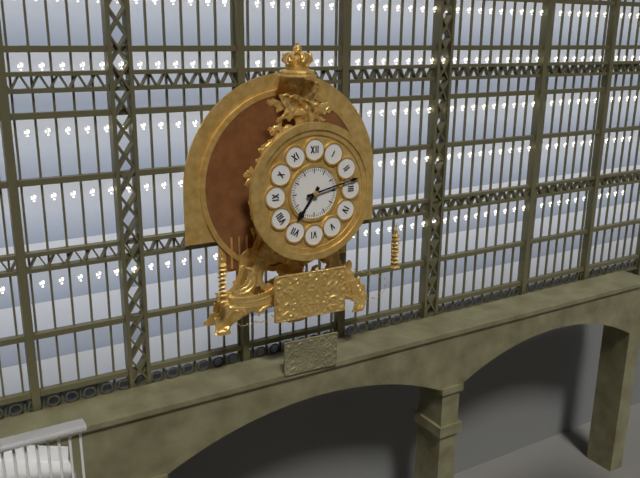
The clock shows 7.13
